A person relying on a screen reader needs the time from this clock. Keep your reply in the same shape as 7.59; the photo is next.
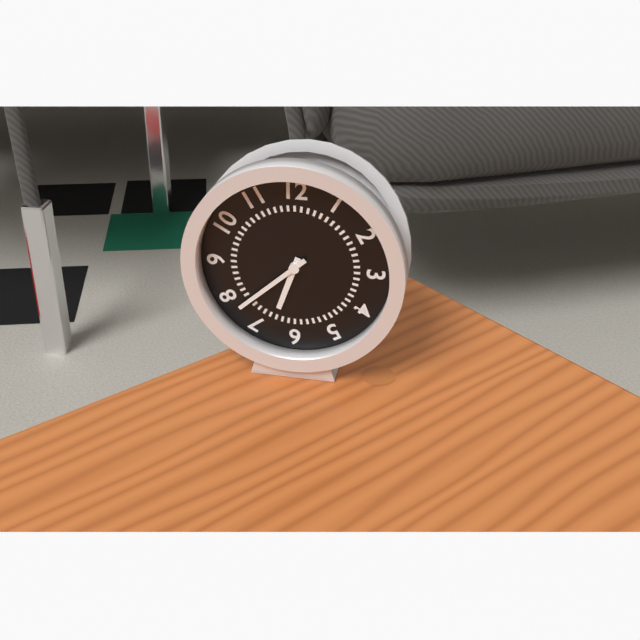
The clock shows 6.38
